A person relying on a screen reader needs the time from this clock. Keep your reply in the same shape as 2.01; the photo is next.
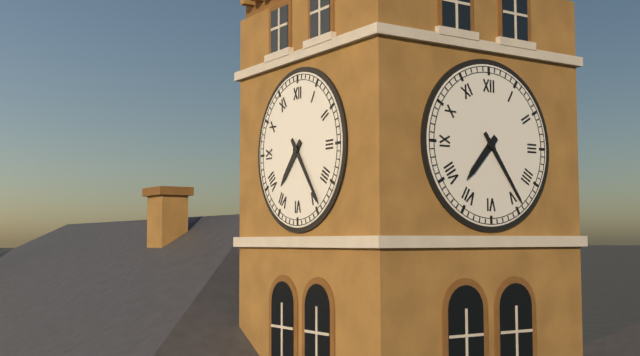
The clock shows 7.24
